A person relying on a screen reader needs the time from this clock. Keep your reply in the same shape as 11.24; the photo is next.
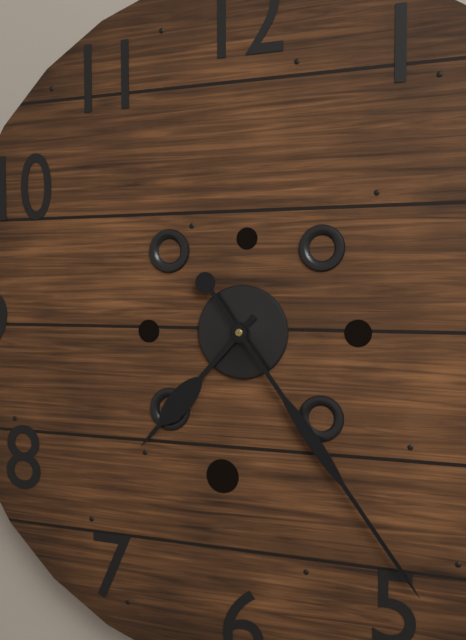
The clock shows 7.24
